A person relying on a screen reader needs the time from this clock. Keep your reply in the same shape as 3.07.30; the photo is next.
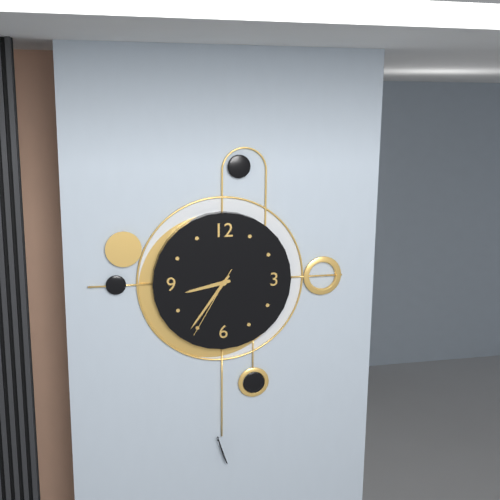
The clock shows 8.36.35
